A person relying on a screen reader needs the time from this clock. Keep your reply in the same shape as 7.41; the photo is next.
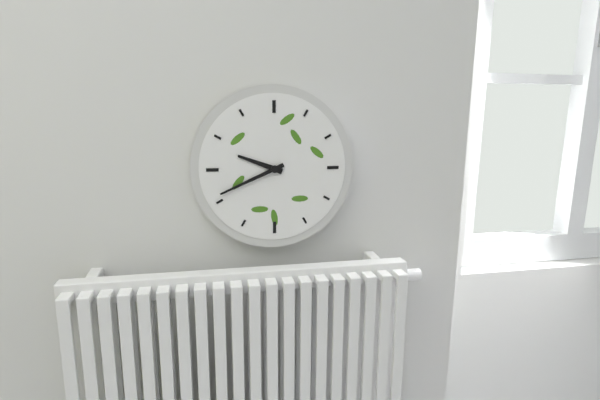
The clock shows 9.41
